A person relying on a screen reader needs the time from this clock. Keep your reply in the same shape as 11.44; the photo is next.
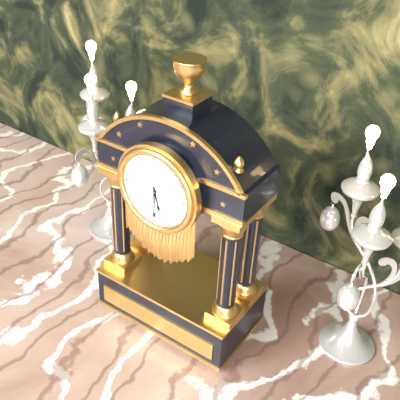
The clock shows 5.30
